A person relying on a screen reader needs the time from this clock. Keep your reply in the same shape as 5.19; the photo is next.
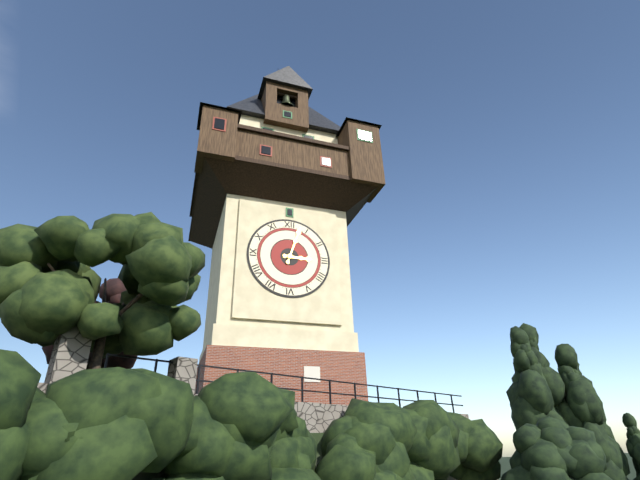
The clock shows 3.03
